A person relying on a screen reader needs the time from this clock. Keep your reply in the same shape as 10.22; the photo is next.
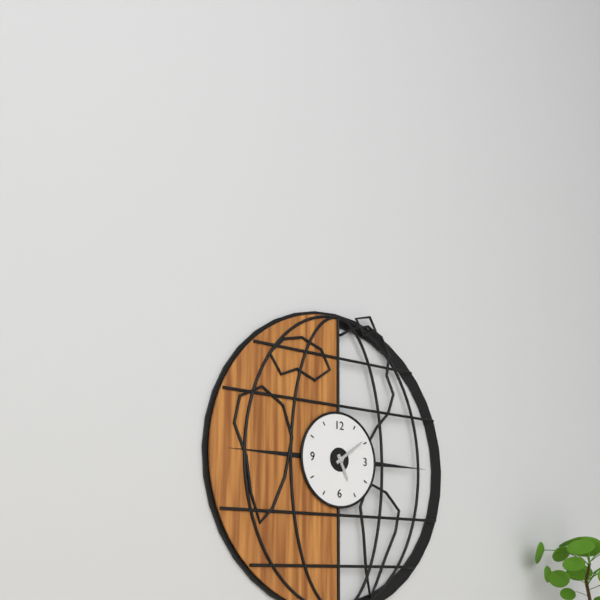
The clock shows 5.09
